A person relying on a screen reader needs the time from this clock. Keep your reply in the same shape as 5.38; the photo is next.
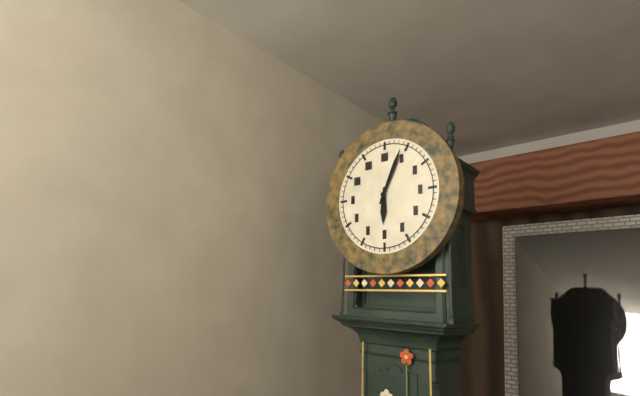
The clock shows 6.04
